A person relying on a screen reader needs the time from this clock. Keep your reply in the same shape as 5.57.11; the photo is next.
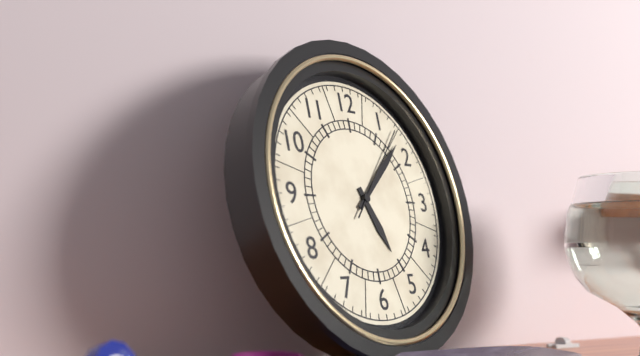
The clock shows 5.08.07
